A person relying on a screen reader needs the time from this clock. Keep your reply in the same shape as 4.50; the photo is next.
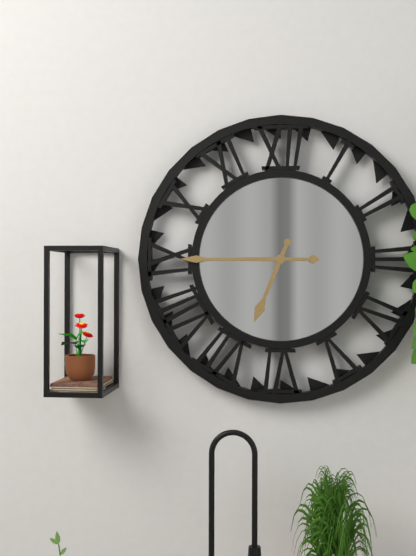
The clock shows 6.45
